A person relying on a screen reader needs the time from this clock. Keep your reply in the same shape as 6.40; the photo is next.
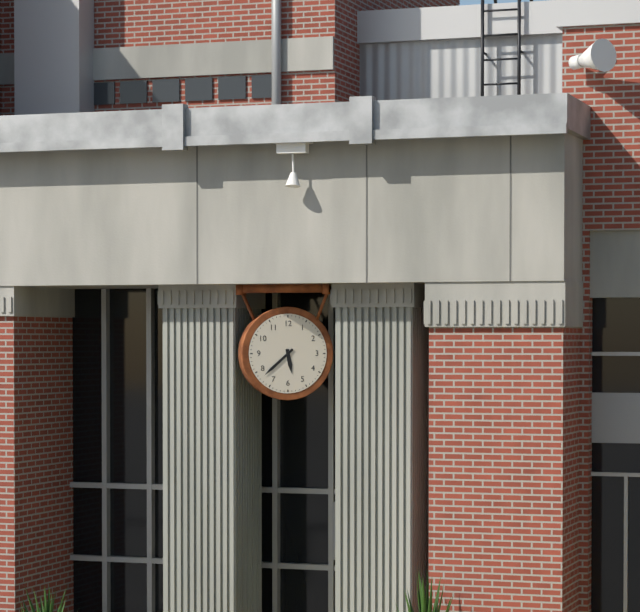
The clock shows 5.38
